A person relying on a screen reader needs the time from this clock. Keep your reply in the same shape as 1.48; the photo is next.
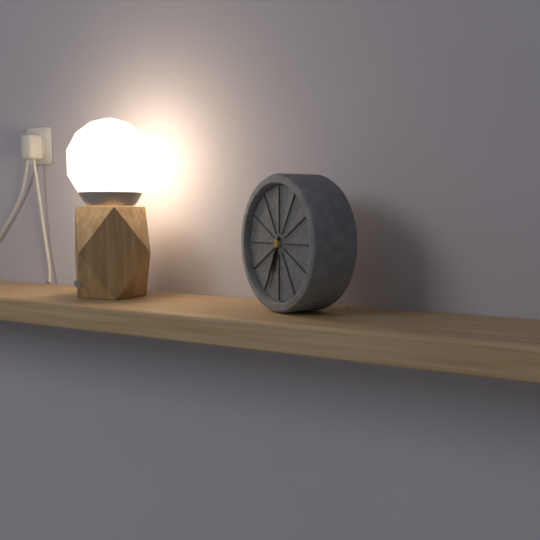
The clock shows 6.34
